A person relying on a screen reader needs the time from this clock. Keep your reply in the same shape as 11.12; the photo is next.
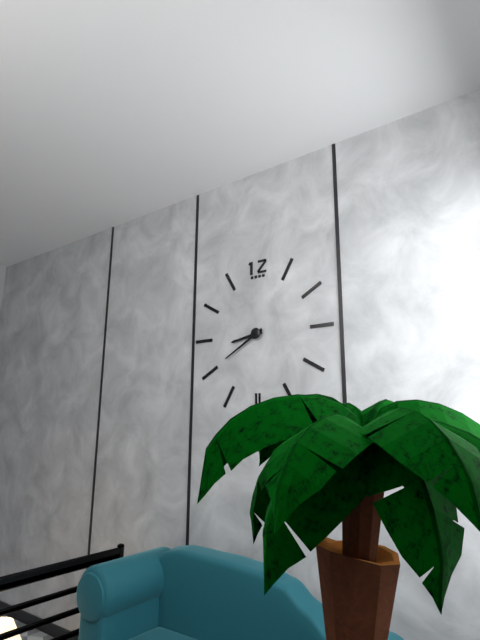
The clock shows 8.40
